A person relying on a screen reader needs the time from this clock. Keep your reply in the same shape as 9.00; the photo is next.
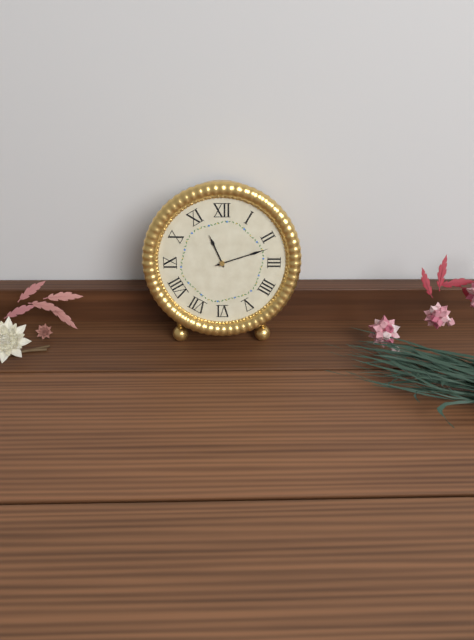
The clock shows 11.12
